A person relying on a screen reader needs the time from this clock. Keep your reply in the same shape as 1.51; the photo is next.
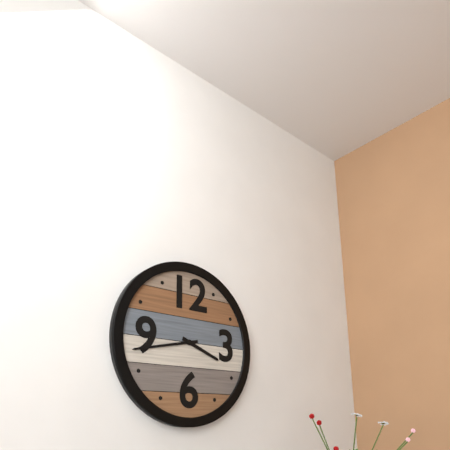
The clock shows 3.43
